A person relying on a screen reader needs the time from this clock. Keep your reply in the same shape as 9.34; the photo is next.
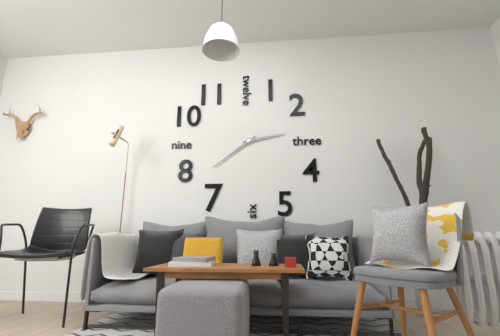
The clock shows 2.39
